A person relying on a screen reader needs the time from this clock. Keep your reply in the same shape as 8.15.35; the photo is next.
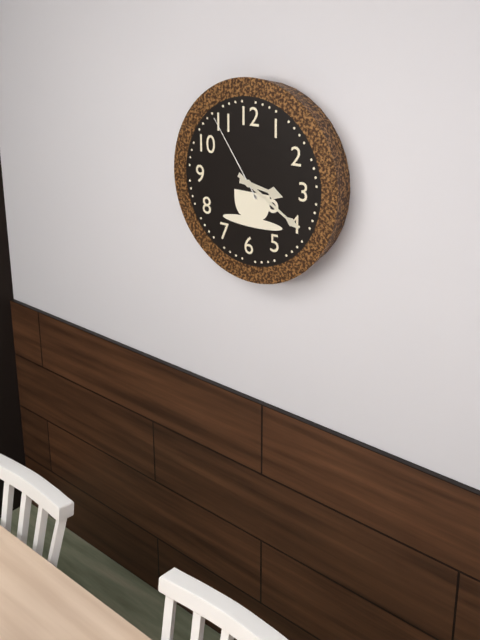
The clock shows 3.20.54
